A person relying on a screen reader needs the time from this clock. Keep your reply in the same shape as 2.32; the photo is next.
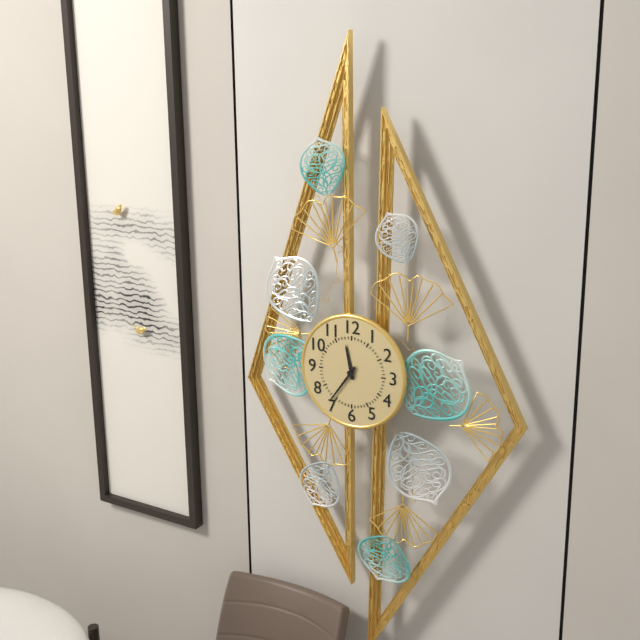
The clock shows 11.36
